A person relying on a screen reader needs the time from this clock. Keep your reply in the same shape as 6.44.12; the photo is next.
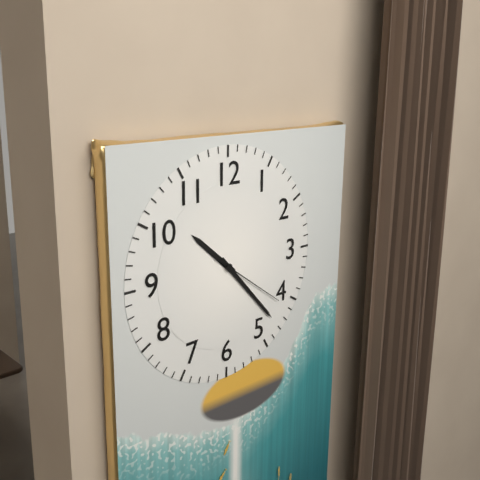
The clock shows 10.23.21
